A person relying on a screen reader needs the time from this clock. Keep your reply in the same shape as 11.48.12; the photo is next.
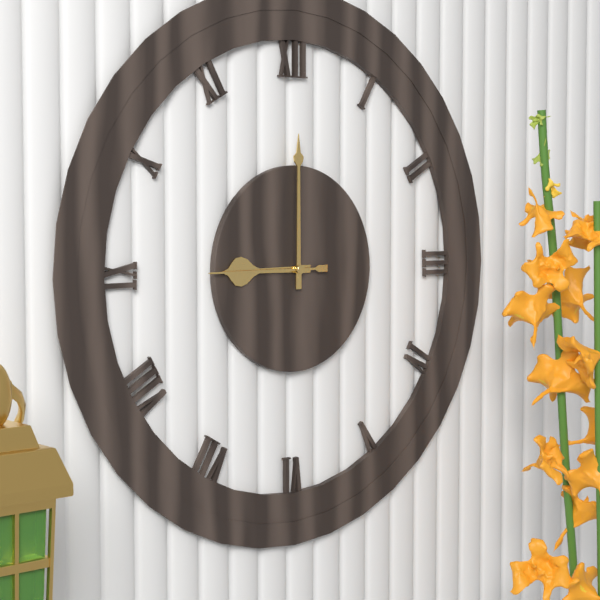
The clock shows 9.00.45
